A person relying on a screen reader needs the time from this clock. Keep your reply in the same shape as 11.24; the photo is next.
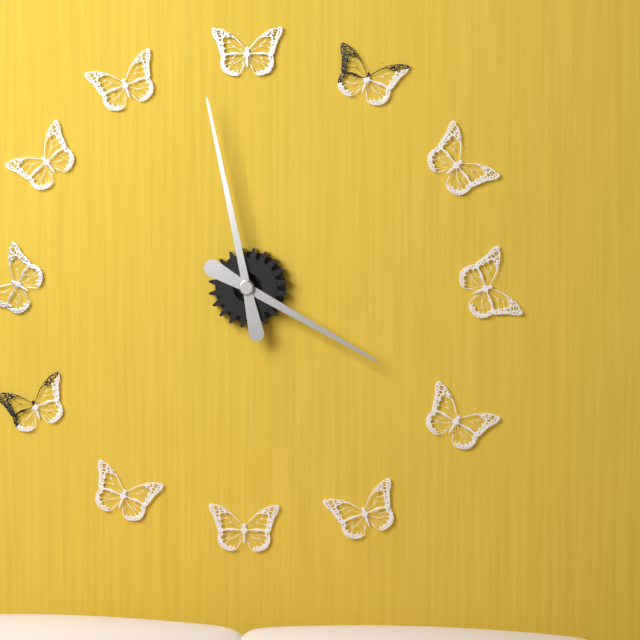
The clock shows 3.58
